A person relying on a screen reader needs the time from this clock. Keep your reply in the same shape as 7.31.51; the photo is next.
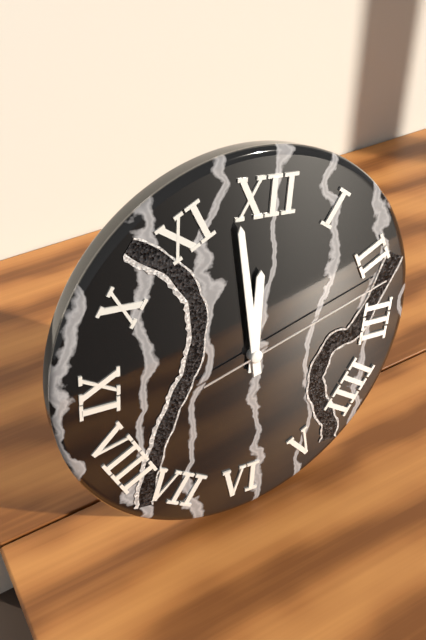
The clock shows 11.58.12
